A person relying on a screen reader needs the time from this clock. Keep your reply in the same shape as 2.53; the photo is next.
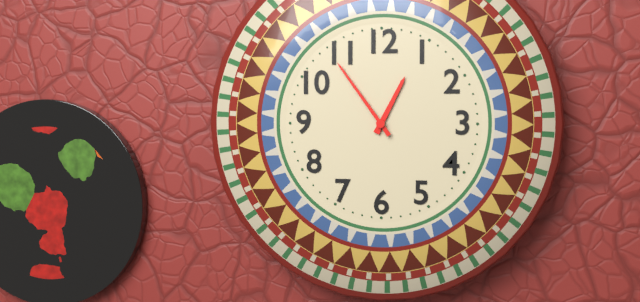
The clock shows 12.54
